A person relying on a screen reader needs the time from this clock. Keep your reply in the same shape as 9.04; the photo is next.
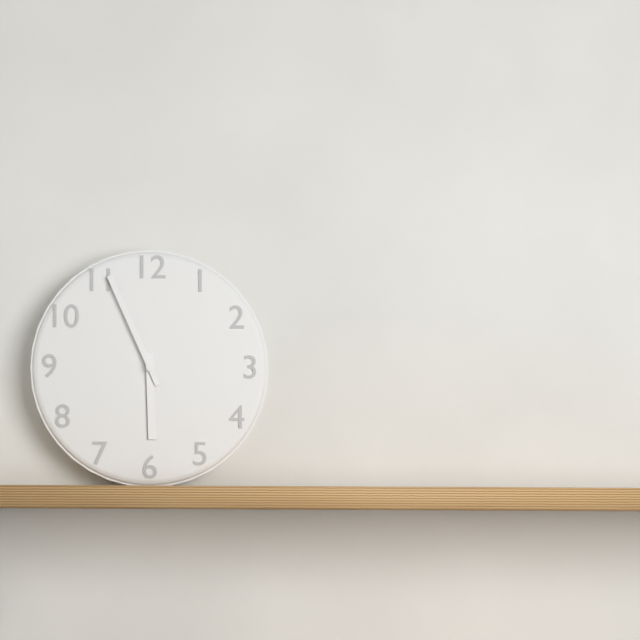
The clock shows 5.56
